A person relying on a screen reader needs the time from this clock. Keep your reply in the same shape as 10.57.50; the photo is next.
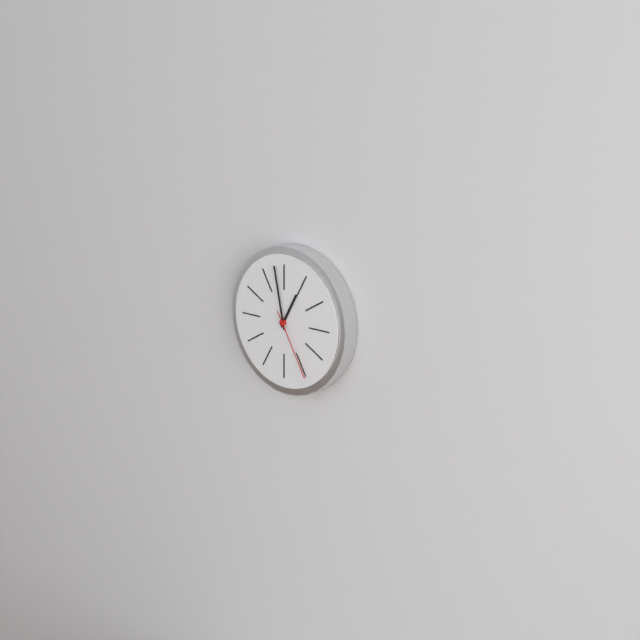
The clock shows 12.58.25
